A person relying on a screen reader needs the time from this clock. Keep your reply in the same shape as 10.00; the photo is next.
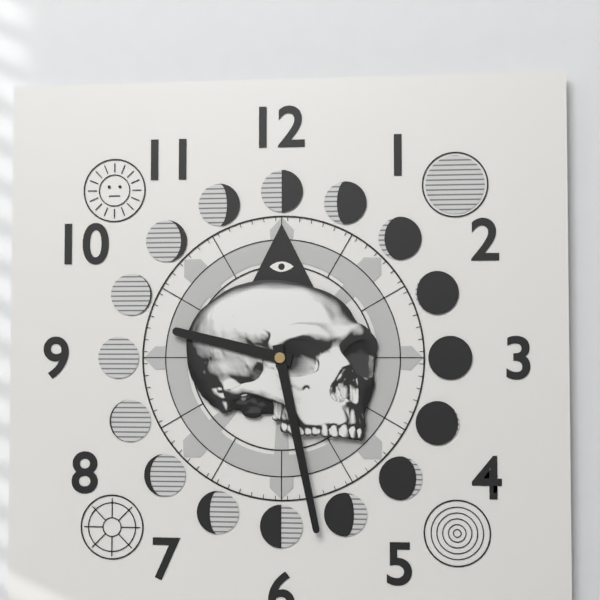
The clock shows 9.28
